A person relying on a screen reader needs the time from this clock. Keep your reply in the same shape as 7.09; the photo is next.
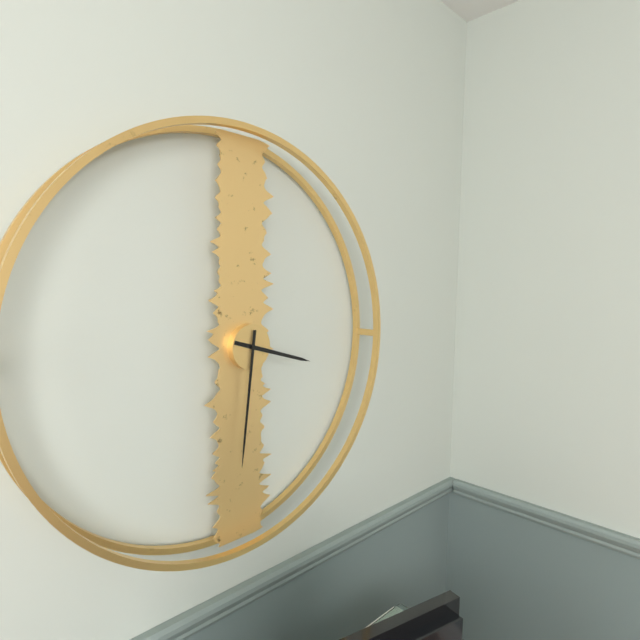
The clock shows 3.31
